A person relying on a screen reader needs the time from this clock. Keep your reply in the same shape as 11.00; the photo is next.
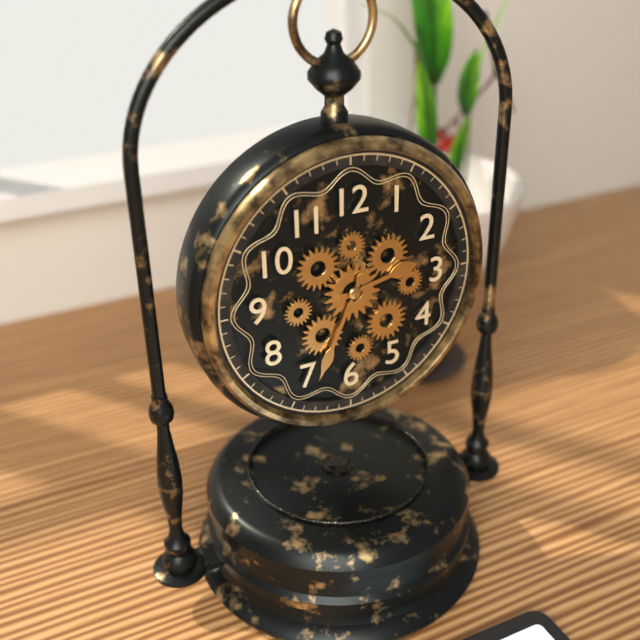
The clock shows 2.34
